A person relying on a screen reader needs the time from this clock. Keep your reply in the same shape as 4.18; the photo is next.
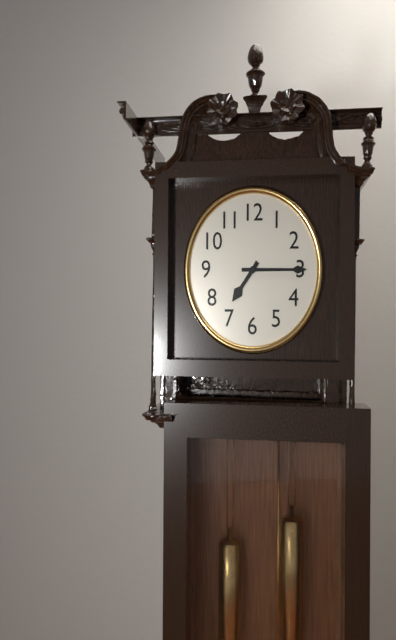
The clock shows 7.15
